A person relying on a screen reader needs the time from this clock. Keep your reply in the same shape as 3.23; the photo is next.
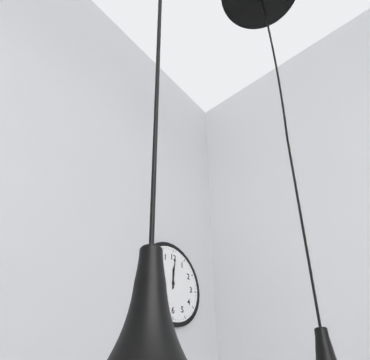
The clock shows 12.01
